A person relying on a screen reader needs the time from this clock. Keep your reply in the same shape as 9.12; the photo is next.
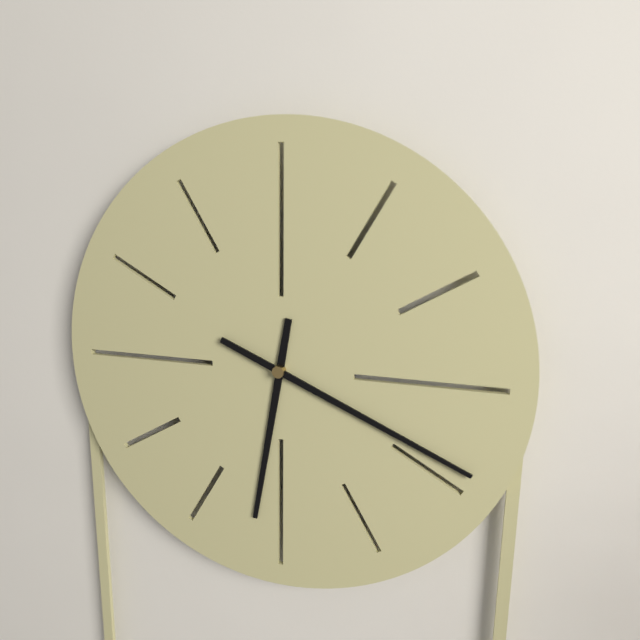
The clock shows 6.19
